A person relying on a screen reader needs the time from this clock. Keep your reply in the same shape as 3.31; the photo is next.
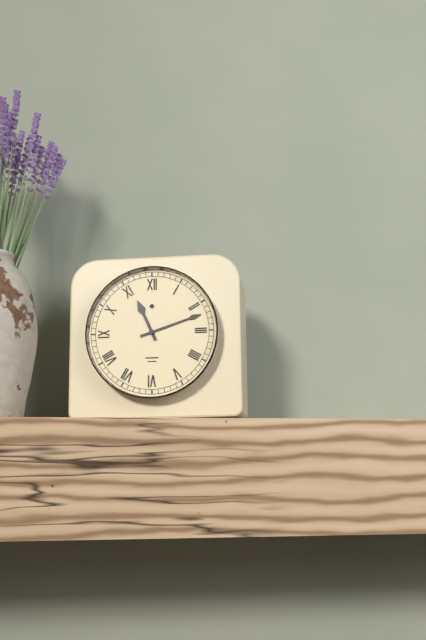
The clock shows 11.12
